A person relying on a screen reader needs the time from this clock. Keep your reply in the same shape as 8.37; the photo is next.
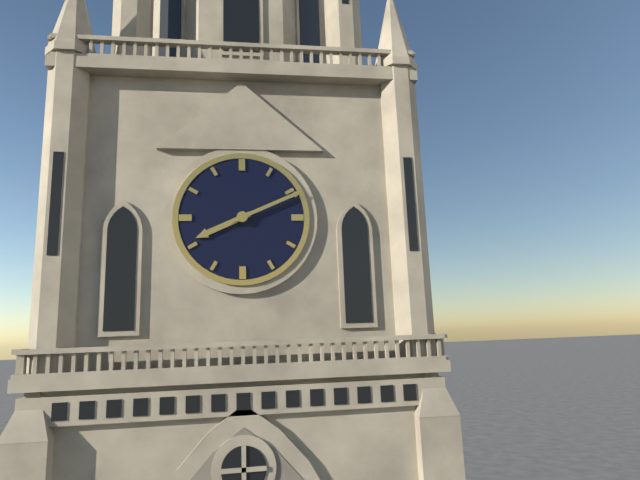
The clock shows 8.11
